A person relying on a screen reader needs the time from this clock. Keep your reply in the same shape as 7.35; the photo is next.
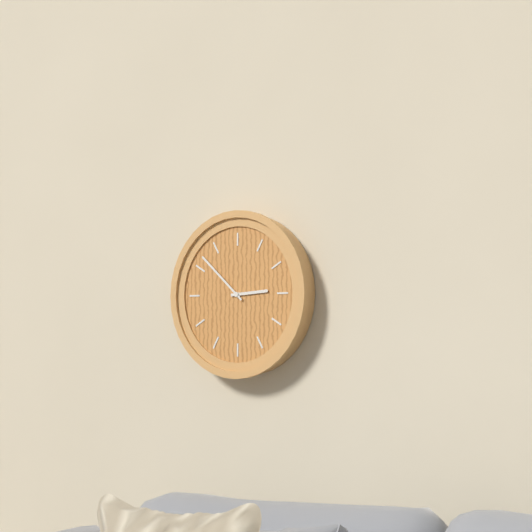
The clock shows 2.52
